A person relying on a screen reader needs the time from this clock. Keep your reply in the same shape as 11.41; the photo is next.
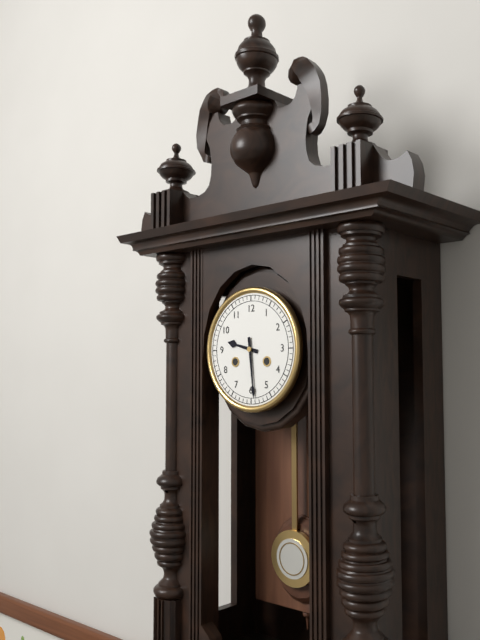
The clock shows 9.29
